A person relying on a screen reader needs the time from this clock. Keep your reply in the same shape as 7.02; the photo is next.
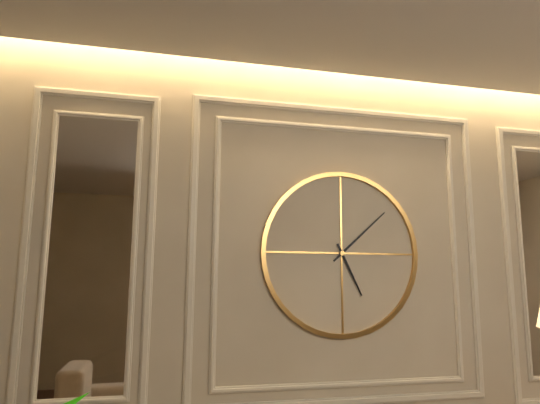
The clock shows 5.08
